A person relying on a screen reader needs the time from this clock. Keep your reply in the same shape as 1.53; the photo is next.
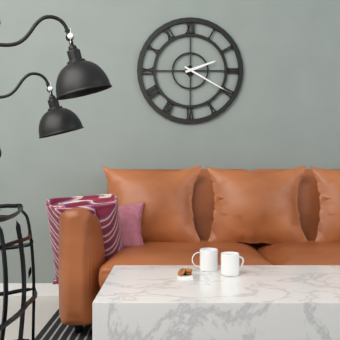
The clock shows 2.20
